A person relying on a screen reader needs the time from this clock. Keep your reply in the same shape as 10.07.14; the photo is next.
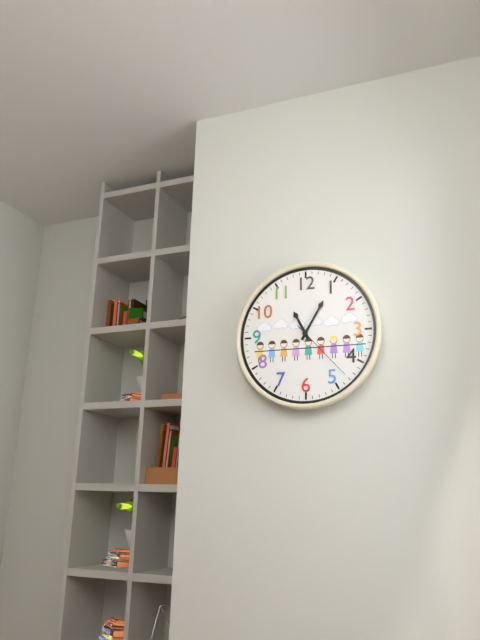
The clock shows 11.05.23
